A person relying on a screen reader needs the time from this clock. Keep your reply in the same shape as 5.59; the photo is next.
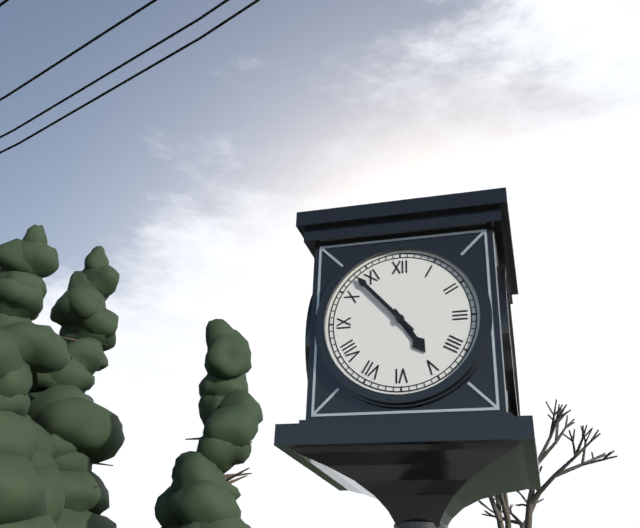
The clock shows 4.53
